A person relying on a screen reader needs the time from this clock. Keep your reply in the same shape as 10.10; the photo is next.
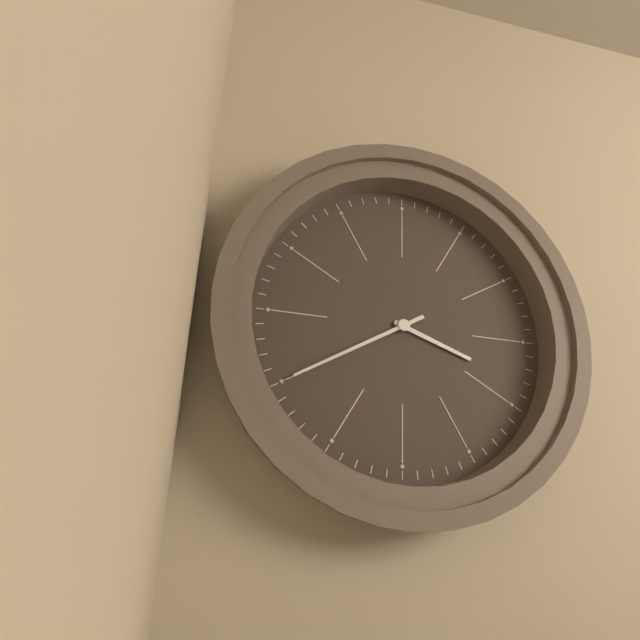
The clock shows 3.40
